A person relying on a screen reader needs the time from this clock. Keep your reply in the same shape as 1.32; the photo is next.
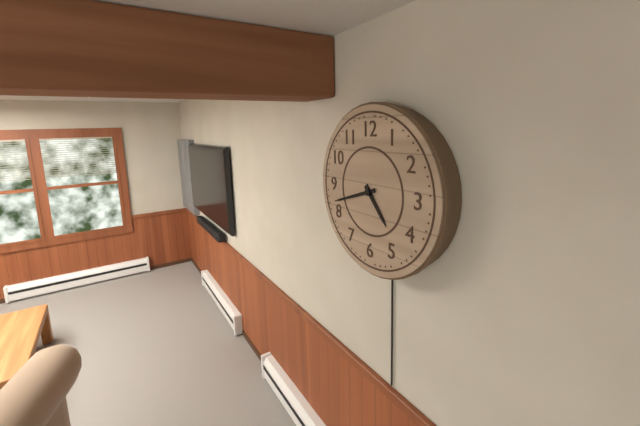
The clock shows 4.42
